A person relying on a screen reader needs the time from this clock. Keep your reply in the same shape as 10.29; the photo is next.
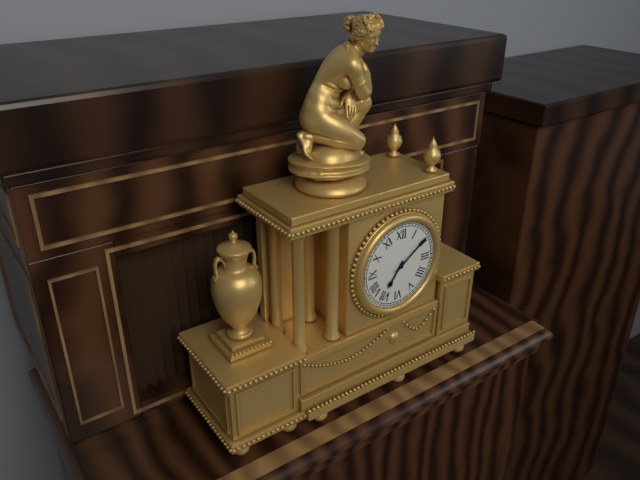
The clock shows 7.09
